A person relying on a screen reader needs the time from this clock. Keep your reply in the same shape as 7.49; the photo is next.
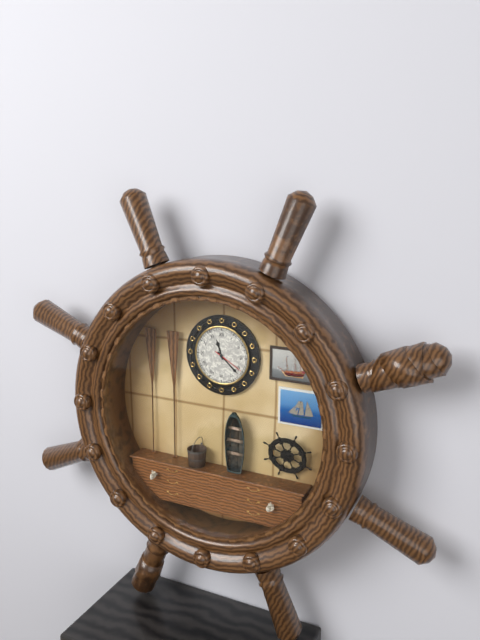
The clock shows 11.22
